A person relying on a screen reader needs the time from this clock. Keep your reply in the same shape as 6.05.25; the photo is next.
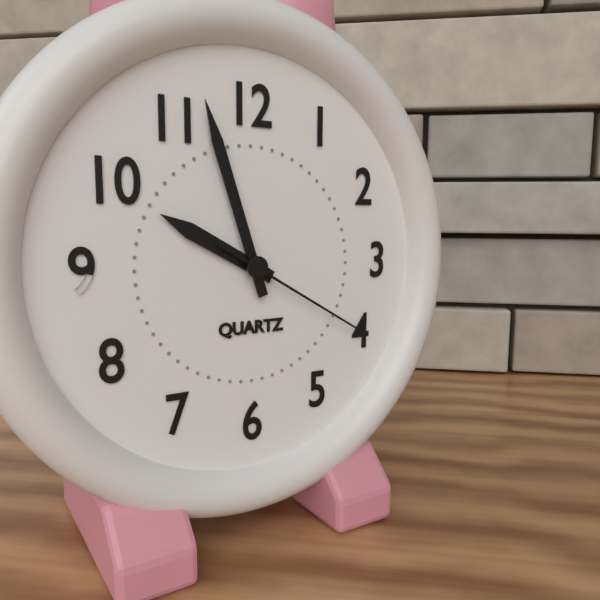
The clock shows 9.57.20
